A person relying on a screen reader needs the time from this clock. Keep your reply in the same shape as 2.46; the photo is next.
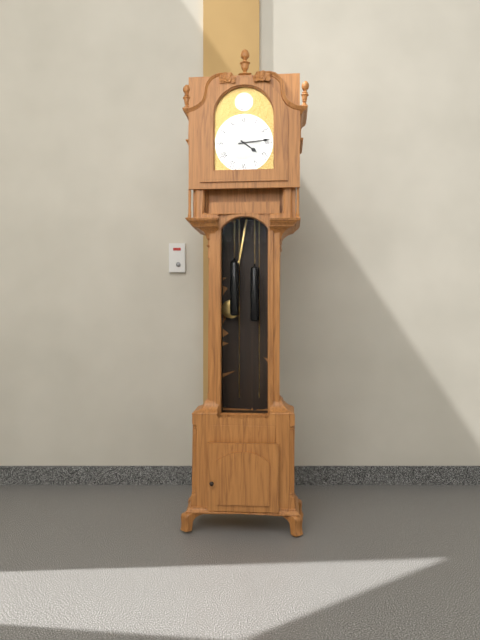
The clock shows 4.14
